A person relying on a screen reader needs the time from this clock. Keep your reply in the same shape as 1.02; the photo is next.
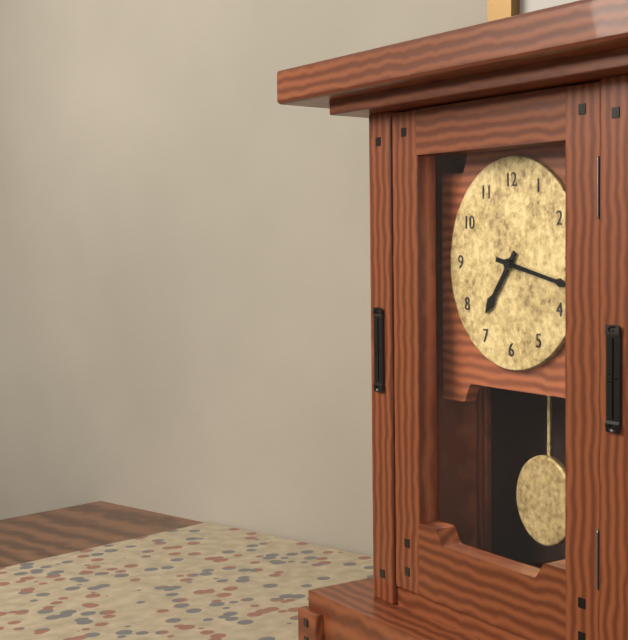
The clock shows 7.17
